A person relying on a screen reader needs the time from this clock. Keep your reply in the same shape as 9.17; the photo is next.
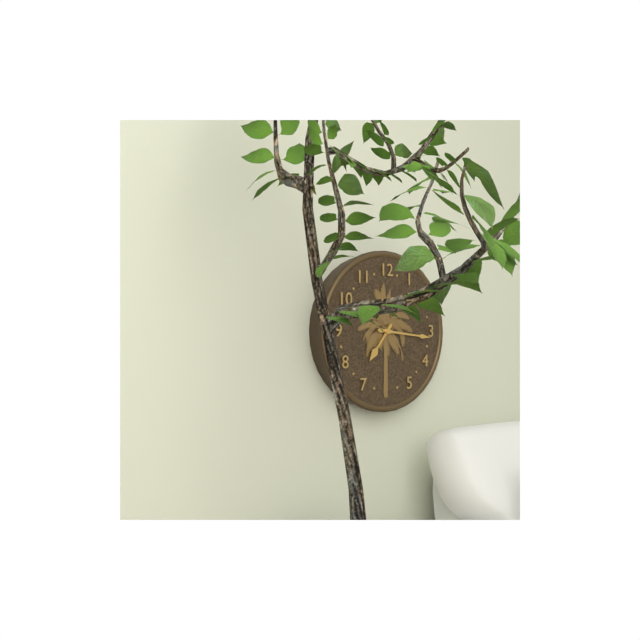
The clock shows 7.16
